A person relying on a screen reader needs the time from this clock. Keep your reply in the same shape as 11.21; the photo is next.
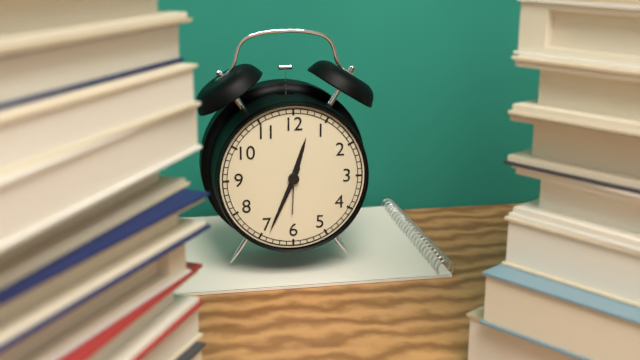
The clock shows 12.34
